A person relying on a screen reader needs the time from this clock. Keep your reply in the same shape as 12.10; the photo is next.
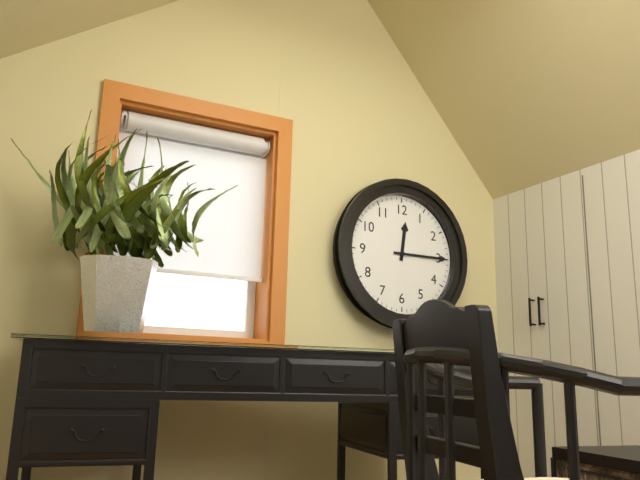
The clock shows 12.15
